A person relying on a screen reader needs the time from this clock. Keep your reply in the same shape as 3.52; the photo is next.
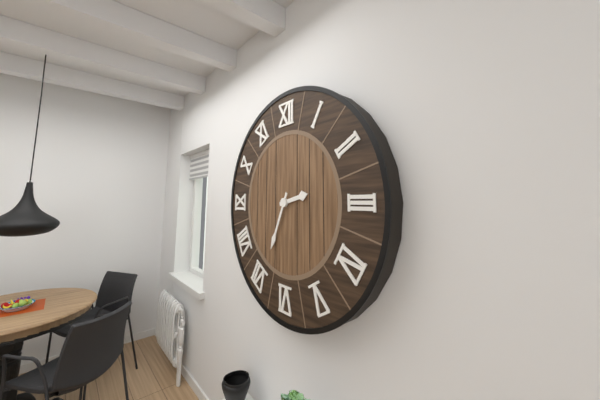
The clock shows 2.34
